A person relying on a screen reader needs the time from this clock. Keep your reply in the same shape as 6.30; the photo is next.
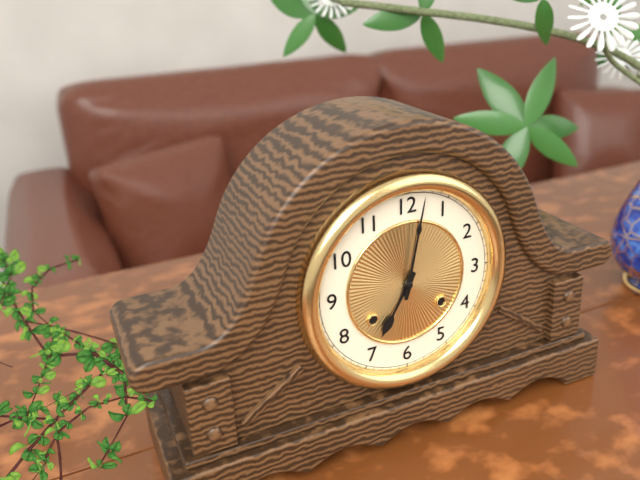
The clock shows 7.02
